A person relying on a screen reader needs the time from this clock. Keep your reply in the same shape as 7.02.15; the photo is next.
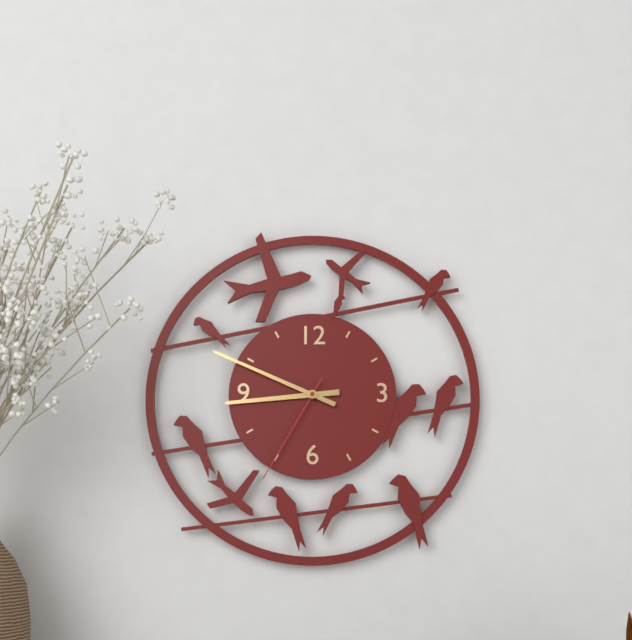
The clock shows 8.49.35
